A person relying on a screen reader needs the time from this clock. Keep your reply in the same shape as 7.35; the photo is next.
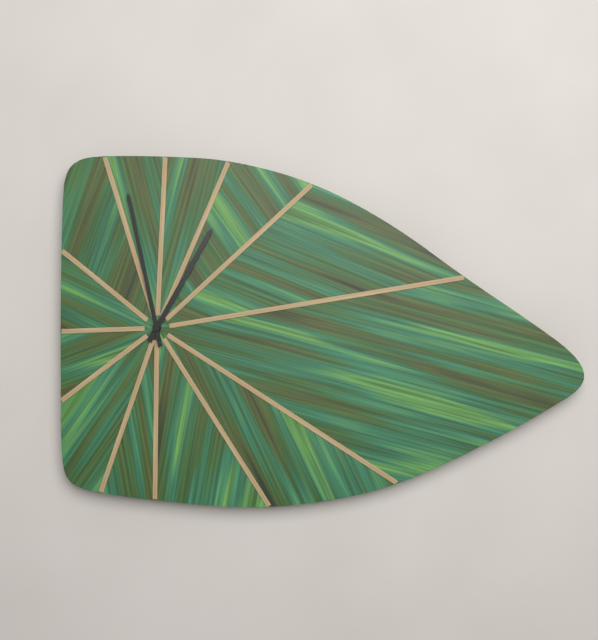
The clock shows 12.58
